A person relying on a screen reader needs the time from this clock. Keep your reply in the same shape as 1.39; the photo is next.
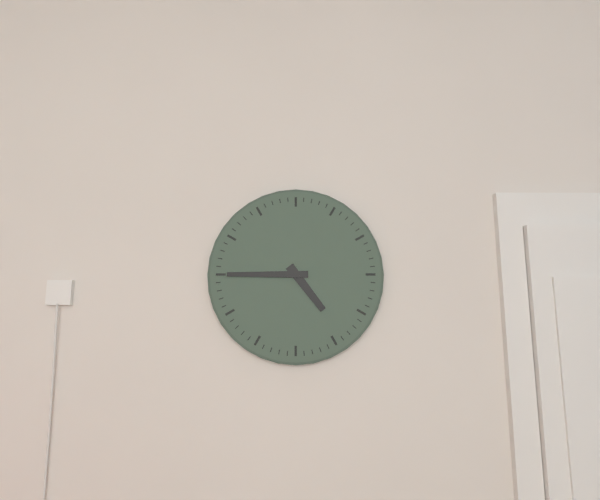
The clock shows 4.45
